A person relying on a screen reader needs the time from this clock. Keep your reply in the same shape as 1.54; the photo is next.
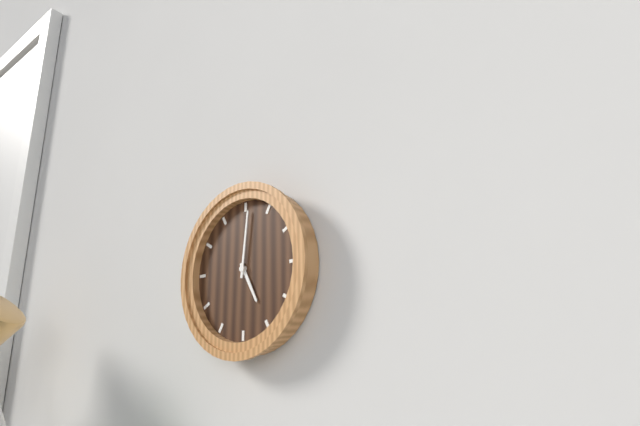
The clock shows 5.01
